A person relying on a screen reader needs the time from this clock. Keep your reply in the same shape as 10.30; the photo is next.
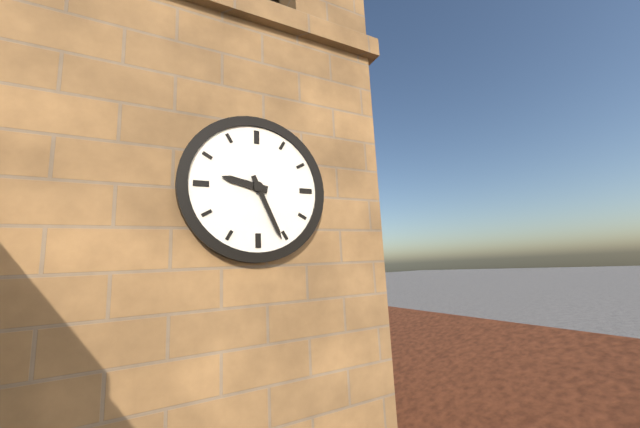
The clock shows 9.26
